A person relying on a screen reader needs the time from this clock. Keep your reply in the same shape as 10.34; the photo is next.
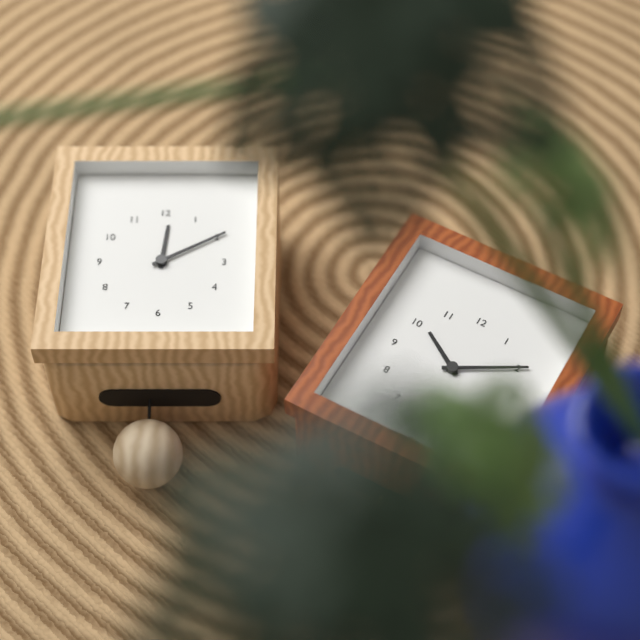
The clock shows 12.10
